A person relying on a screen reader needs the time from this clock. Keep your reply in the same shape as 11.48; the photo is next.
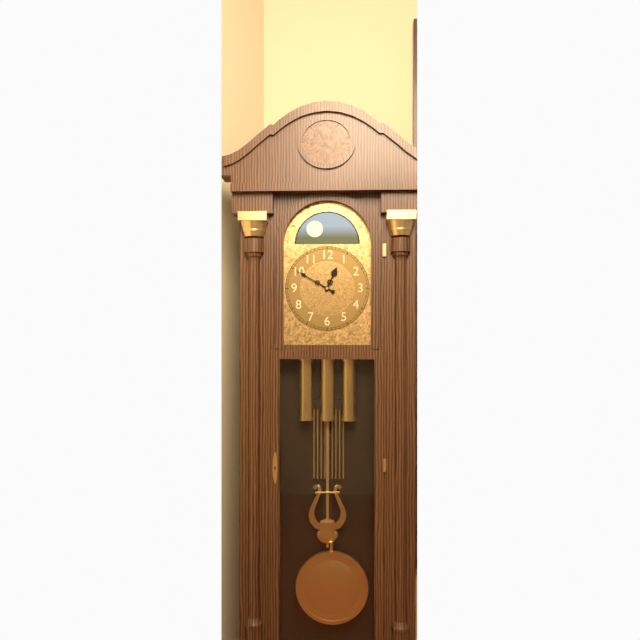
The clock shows 12.50
